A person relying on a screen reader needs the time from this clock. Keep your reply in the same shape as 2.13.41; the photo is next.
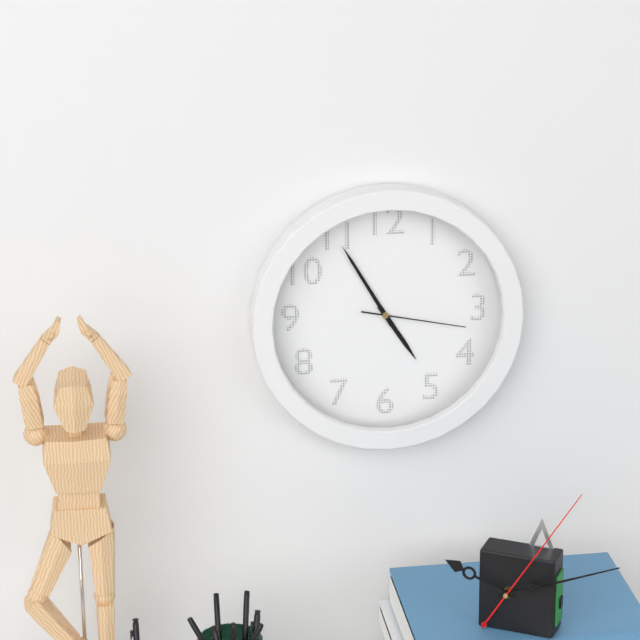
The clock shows 4.55.17
